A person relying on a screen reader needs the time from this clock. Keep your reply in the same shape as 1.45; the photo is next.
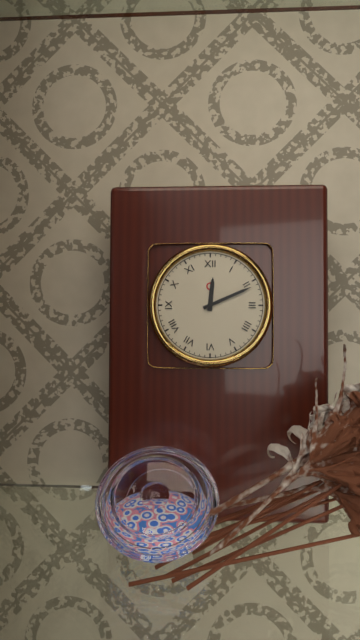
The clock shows 12.11
